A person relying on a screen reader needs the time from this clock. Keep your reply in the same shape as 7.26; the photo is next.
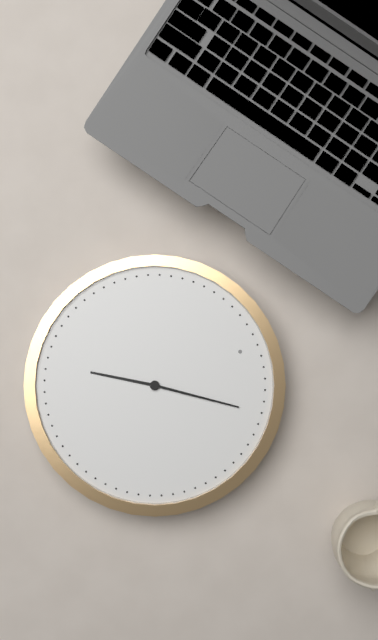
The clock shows 7.06
